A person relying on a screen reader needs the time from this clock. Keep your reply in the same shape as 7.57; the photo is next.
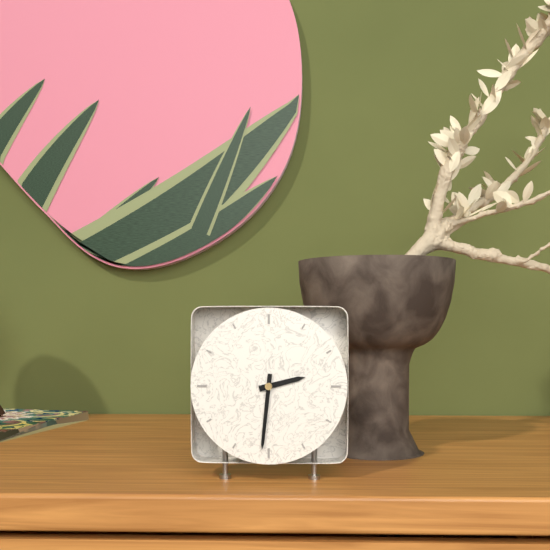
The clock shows 2.31
